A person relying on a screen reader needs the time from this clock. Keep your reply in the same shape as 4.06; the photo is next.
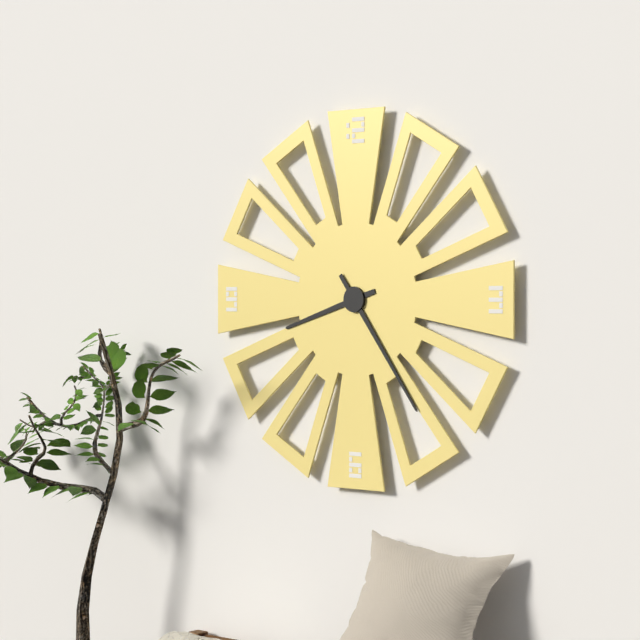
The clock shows 8.24
